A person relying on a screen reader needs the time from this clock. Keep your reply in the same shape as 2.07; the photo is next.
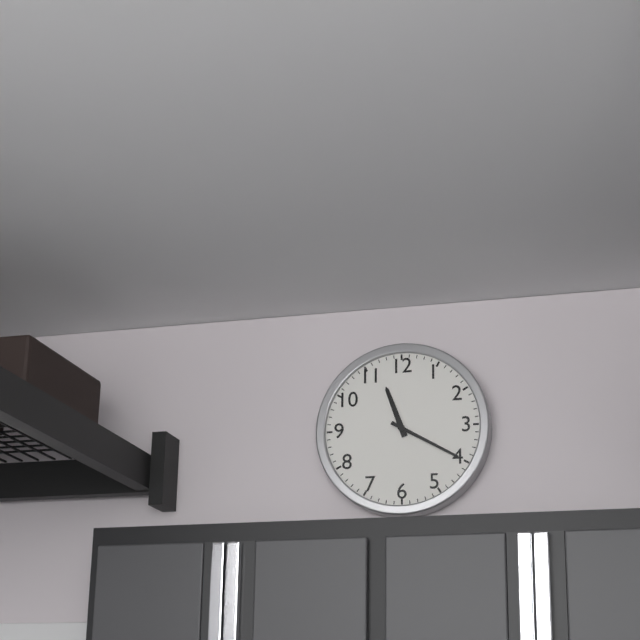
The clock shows 11.20
